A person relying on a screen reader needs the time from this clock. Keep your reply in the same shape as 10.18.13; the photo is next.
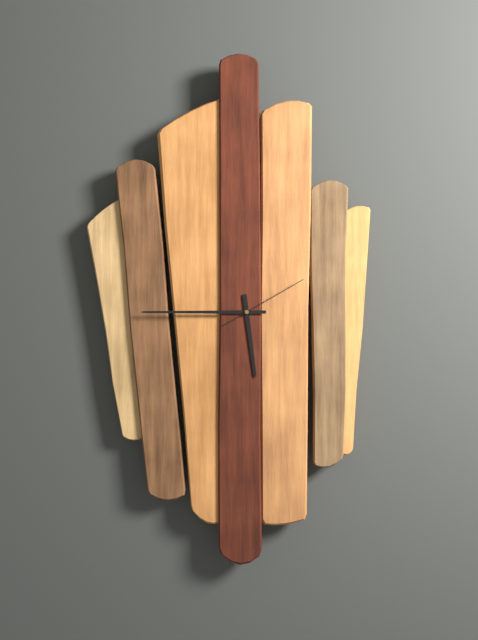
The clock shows 5.45.10
